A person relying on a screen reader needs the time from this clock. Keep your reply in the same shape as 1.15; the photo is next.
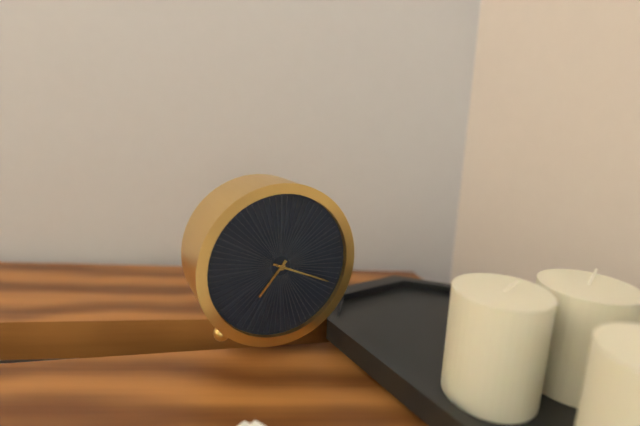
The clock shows 7.19
